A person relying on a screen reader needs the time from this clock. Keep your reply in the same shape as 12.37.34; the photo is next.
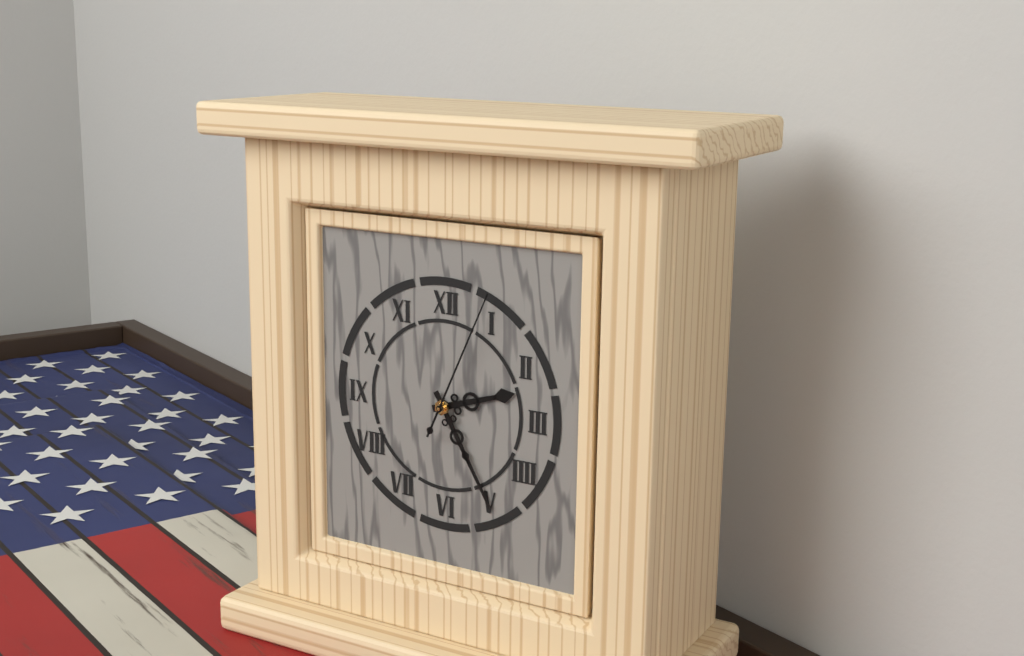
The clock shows 2.25.04
